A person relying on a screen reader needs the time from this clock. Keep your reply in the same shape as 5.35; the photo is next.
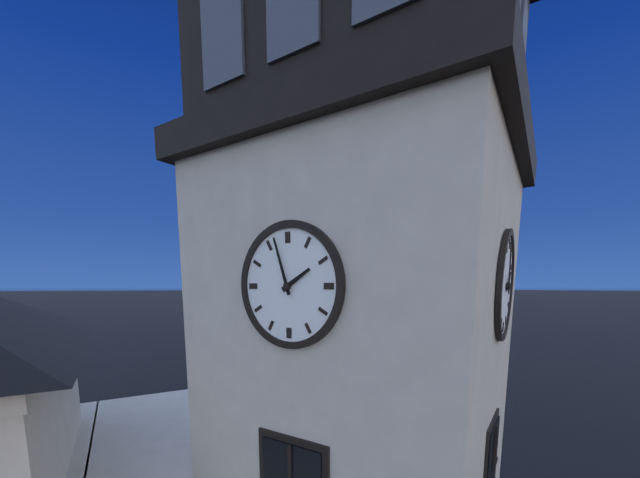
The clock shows 1.57
